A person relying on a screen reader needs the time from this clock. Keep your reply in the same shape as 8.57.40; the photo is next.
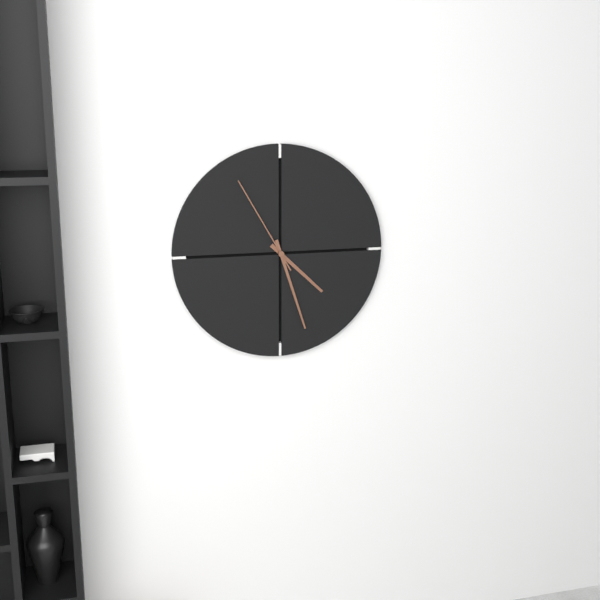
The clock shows 4.27.55
